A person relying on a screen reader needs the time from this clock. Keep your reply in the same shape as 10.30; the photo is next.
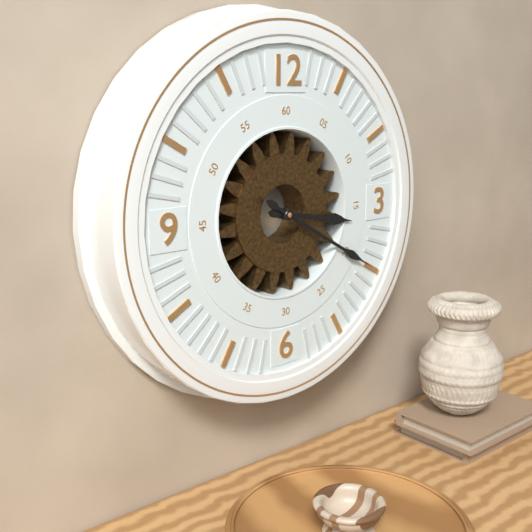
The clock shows 3.20
